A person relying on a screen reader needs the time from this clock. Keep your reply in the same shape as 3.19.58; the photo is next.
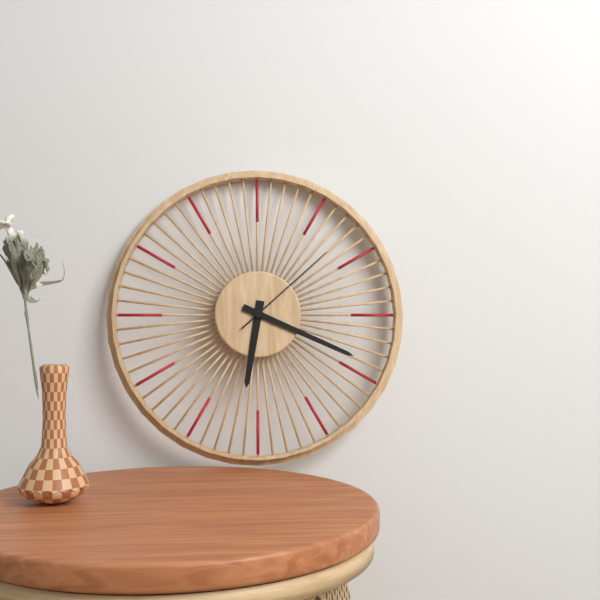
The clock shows 6.19.08
